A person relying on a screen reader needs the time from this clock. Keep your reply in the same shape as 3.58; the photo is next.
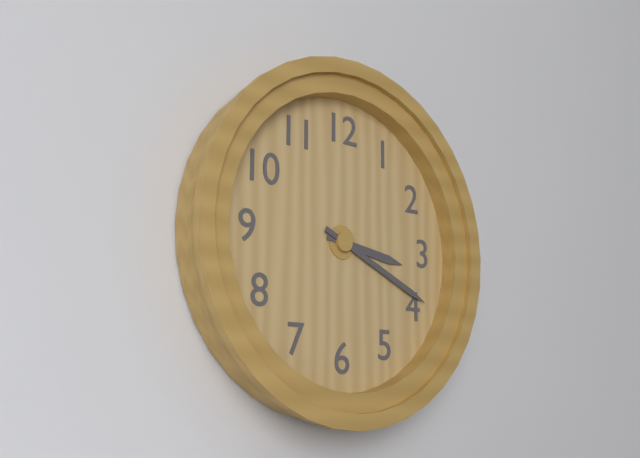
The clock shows 3.19
